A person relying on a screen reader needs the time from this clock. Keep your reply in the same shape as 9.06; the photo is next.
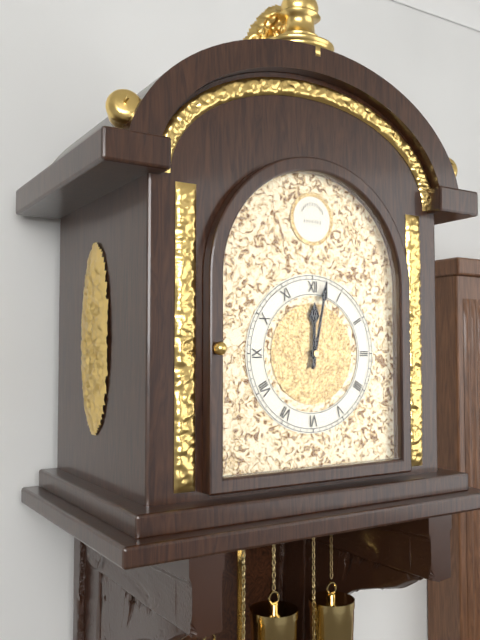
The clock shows 12.02
